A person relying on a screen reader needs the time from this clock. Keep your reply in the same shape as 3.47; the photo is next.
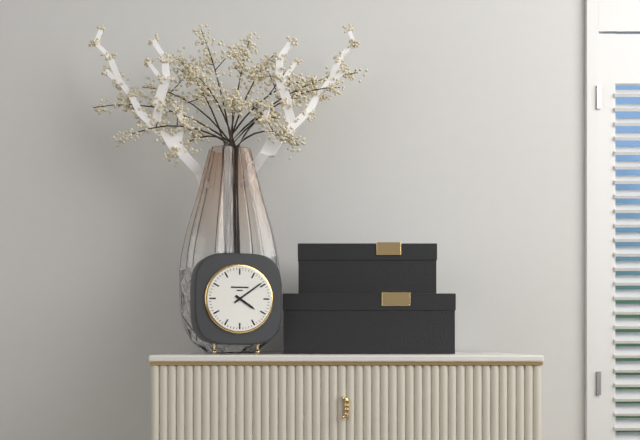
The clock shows 4.09
